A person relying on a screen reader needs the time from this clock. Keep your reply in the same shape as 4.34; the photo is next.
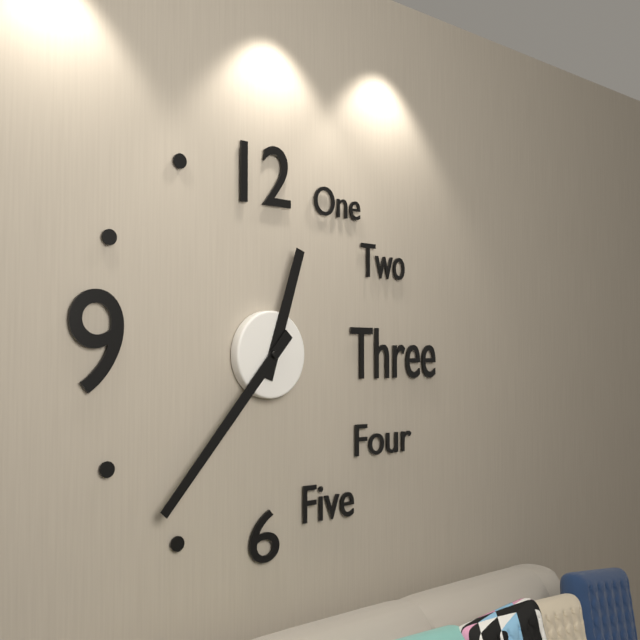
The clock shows 12.37
